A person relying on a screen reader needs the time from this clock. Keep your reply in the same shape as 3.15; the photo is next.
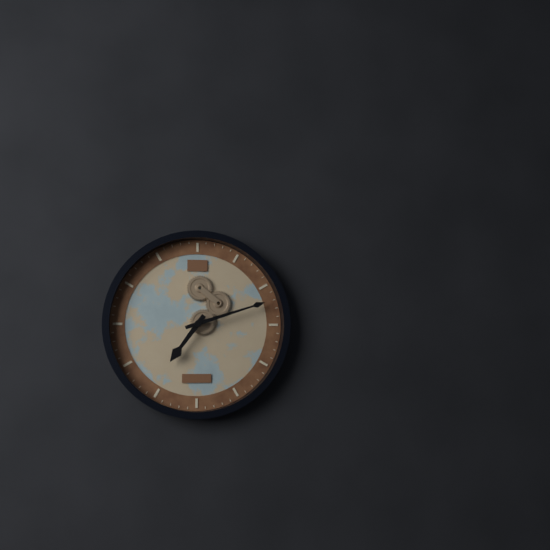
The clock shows 7.12
